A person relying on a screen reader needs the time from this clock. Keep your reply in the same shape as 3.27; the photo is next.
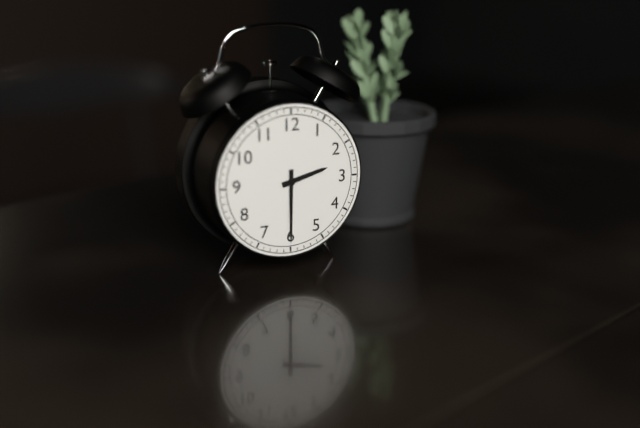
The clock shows 2.30
